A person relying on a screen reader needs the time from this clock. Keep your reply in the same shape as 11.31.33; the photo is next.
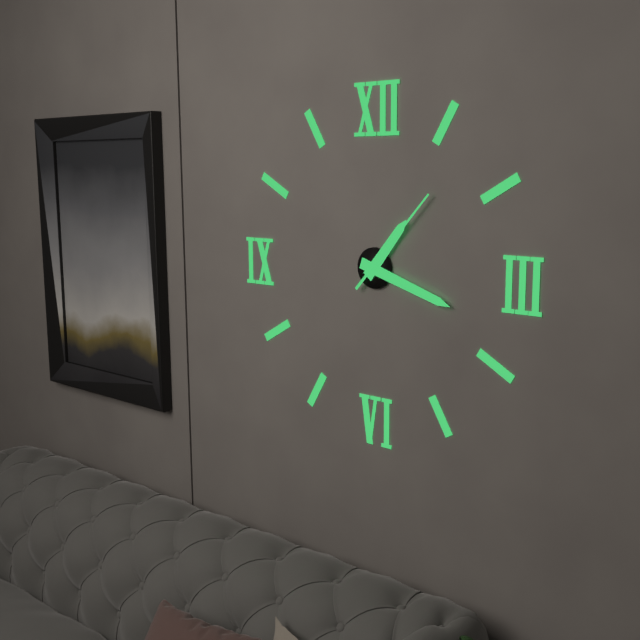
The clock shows 1.18.07
